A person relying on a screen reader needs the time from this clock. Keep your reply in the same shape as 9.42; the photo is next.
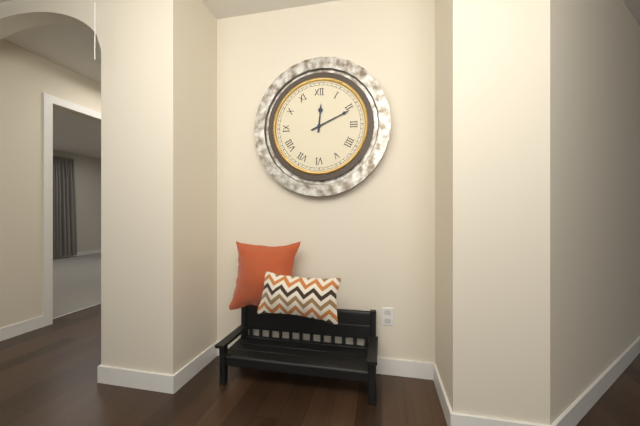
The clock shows 12.11
